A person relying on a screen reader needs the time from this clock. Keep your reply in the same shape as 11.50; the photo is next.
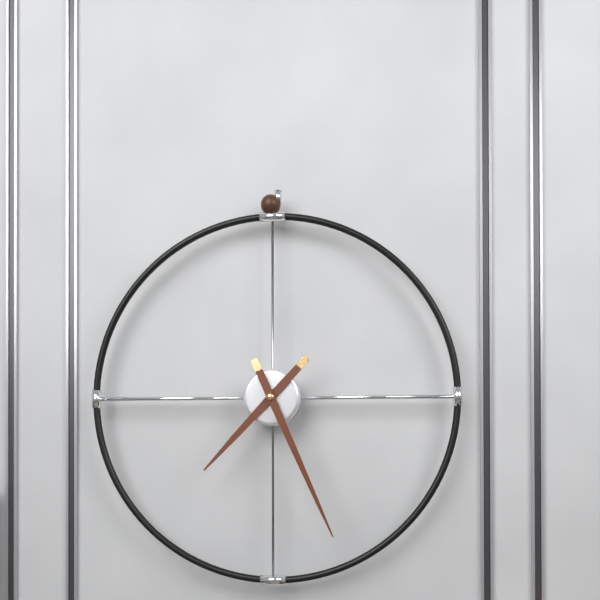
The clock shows 7.26
